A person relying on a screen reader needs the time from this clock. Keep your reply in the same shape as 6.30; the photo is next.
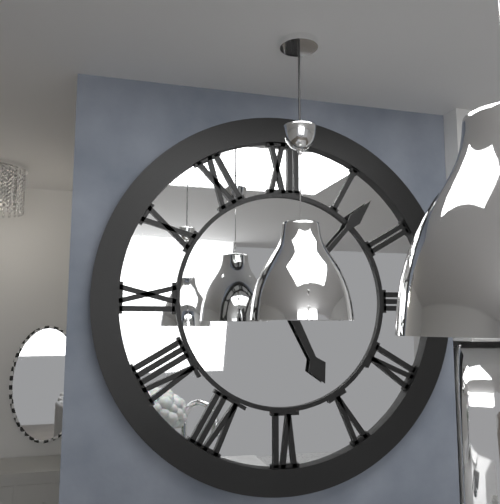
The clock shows 5.07
